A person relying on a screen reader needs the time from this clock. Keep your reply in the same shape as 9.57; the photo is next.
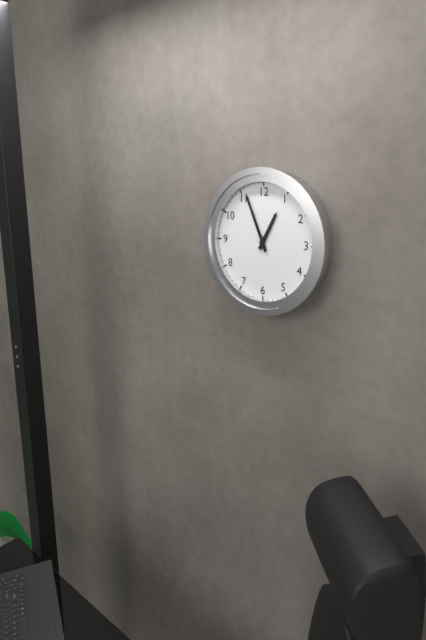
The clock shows 12.56
